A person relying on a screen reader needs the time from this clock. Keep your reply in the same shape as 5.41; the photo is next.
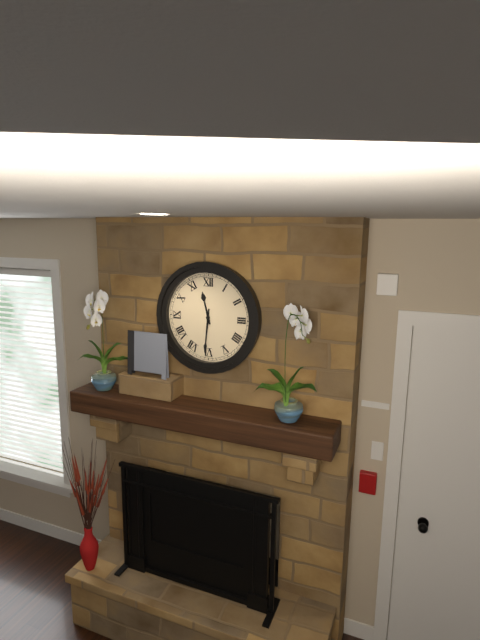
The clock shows 11.31
